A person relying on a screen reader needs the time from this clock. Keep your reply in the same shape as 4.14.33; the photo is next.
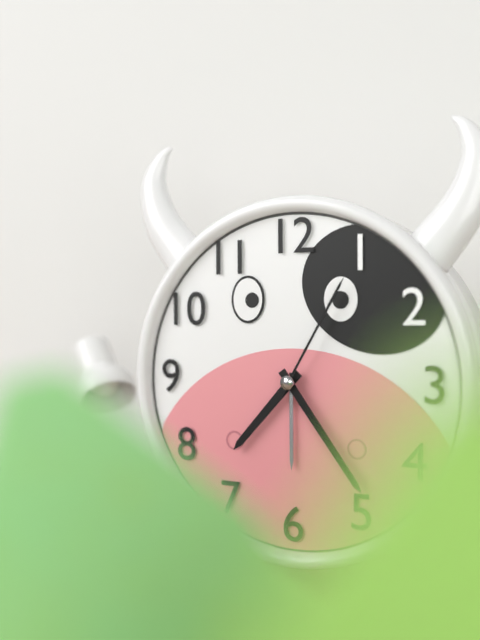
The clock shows 7.24.05
